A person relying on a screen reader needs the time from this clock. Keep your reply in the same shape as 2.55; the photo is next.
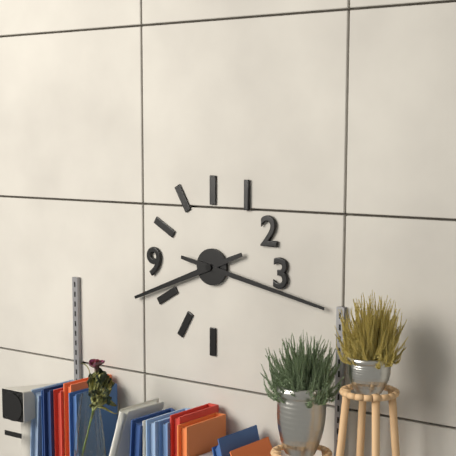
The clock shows 8.17
